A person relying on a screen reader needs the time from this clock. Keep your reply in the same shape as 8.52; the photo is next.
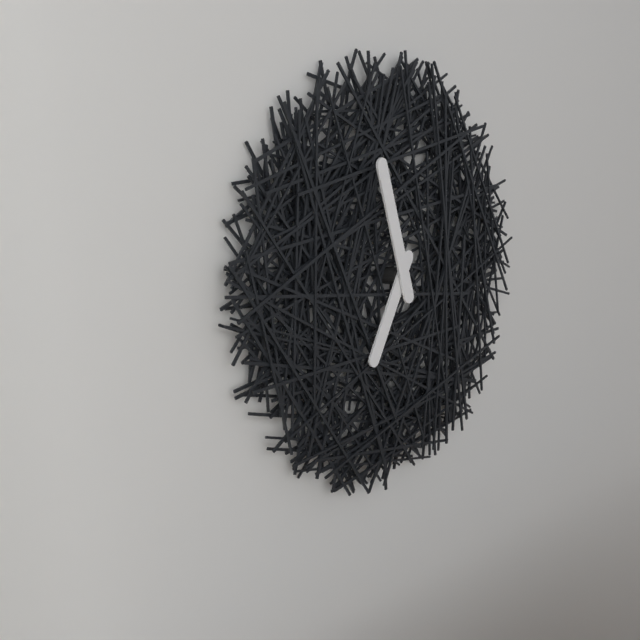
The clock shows 6.57
